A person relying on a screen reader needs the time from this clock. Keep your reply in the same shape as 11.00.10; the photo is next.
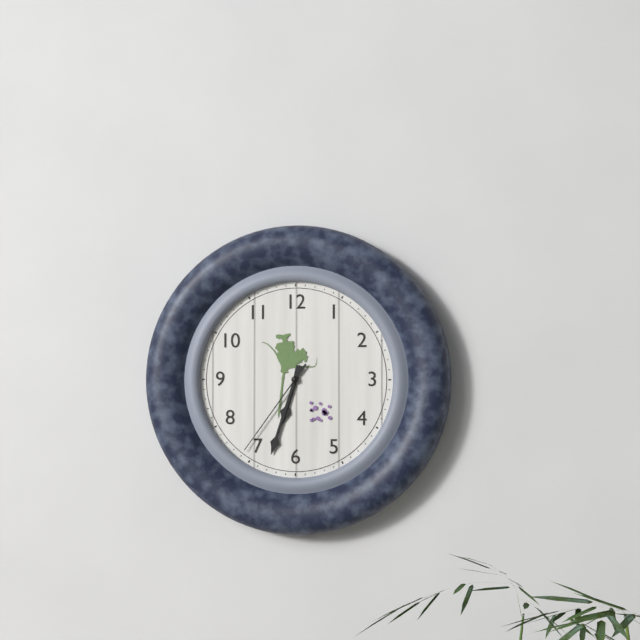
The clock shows 6.33.36
